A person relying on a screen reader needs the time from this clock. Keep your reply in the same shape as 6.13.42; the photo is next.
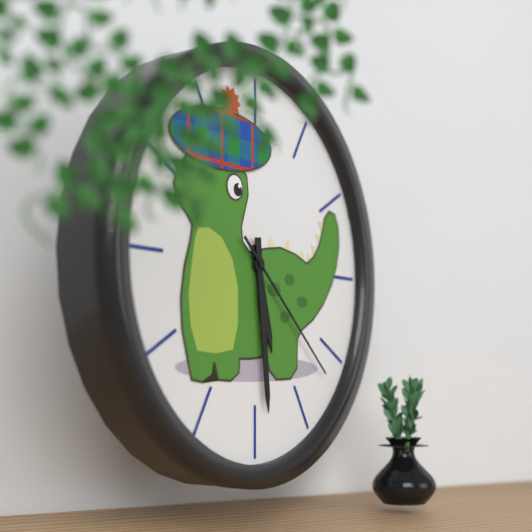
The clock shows 5.29.22
